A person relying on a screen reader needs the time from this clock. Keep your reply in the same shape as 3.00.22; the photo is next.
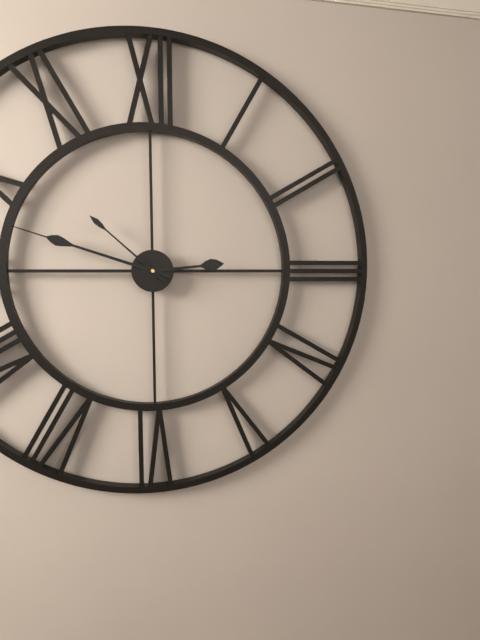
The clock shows 2.48.52
